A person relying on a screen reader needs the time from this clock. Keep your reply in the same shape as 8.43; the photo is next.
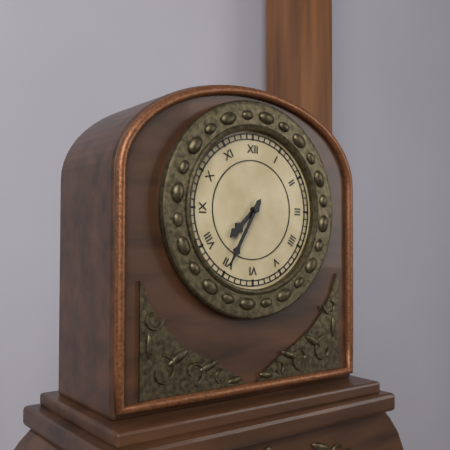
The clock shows 7.35
